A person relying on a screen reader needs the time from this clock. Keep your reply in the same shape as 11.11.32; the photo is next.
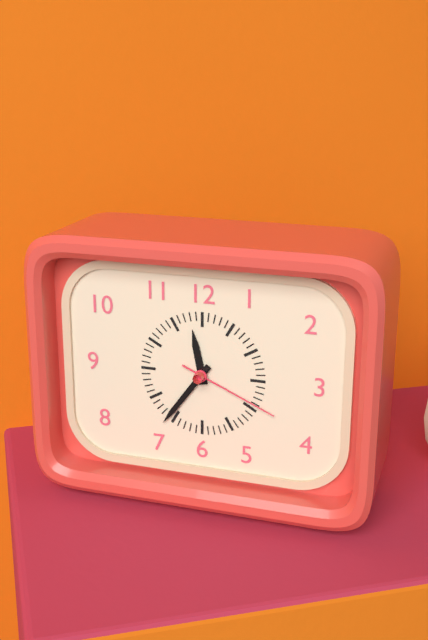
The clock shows 11.36.19
